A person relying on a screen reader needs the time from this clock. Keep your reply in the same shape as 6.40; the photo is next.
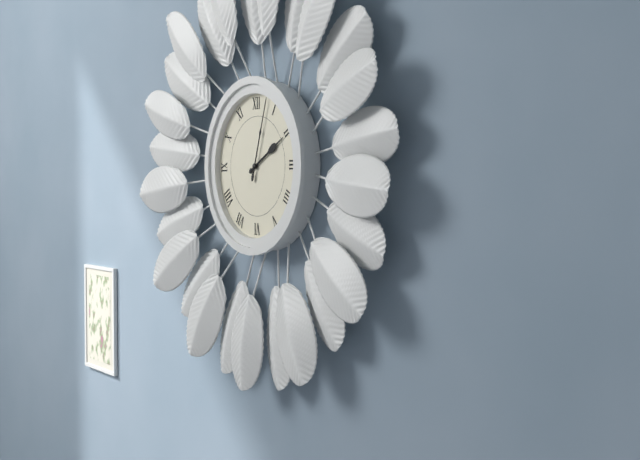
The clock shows 2.03
